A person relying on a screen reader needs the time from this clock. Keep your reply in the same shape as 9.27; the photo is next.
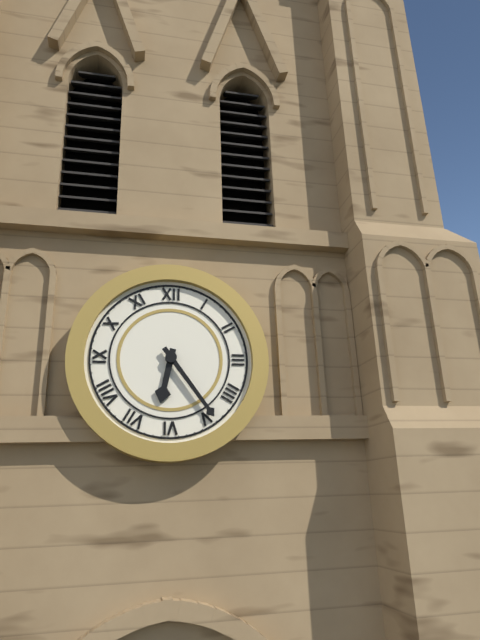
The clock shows 6.24
